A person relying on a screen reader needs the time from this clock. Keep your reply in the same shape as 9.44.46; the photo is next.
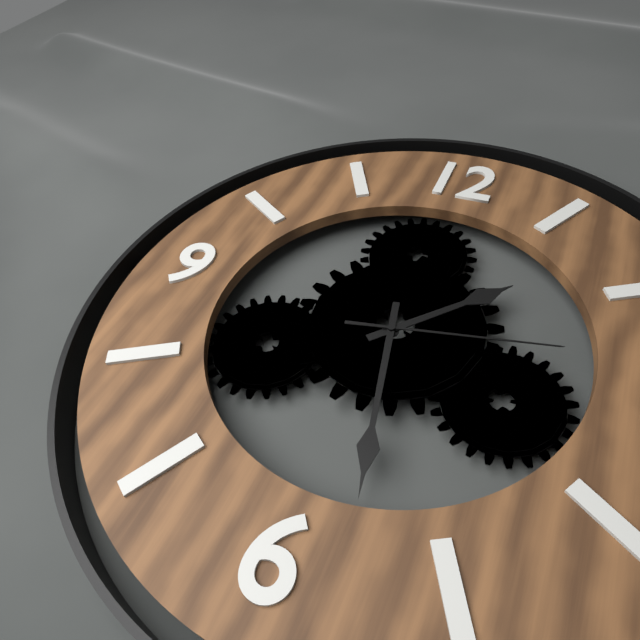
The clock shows 1.28.13
